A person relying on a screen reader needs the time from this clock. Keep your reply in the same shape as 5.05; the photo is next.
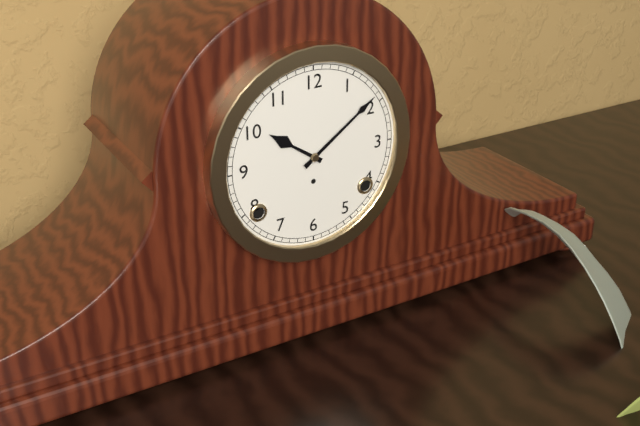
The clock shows 10.09
